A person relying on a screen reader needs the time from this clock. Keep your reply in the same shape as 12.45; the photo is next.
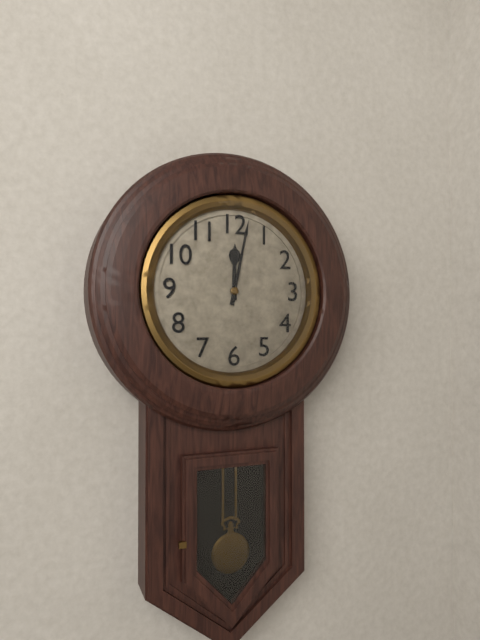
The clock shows 12.02
